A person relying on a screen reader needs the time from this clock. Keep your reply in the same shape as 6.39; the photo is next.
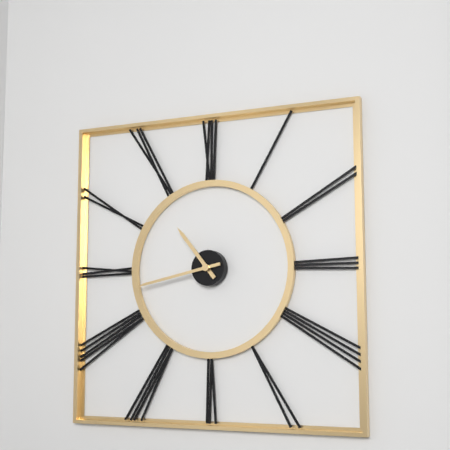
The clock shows 10.43
